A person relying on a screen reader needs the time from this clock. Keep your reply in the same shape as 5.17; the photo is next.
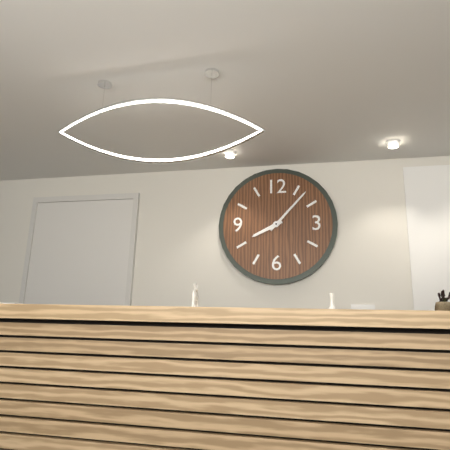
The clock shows 8.07
